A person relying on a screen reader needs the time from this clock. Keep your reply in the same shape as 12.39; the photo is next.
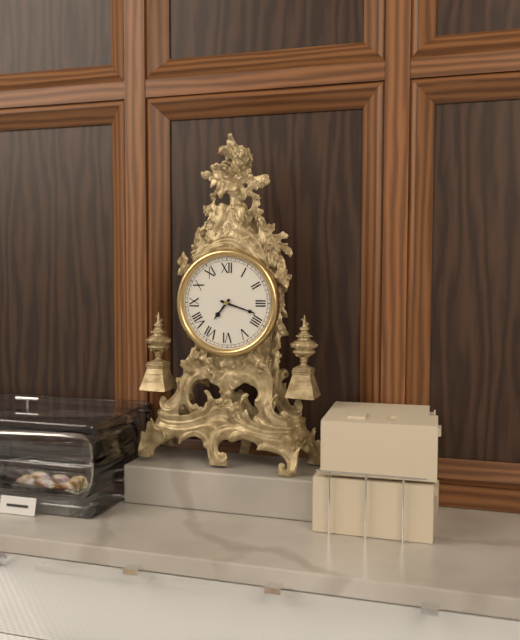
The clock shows 7.18
